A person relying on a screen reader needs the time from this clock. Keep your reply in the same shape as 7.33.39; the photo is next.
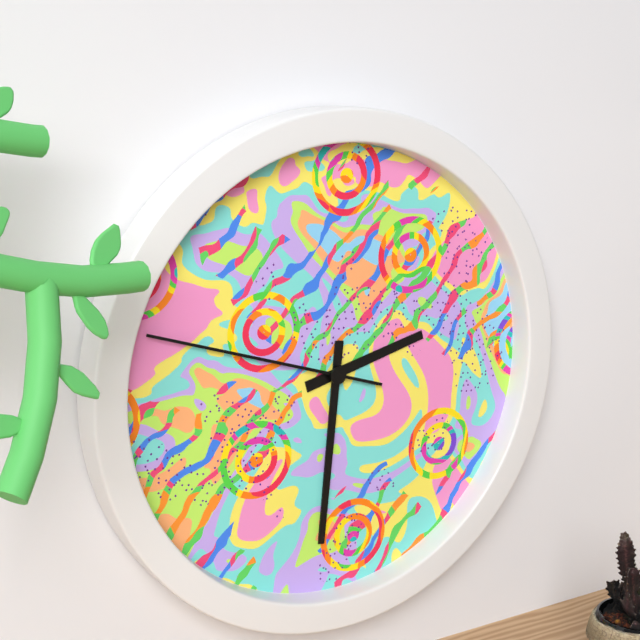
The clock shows 2.31.48
